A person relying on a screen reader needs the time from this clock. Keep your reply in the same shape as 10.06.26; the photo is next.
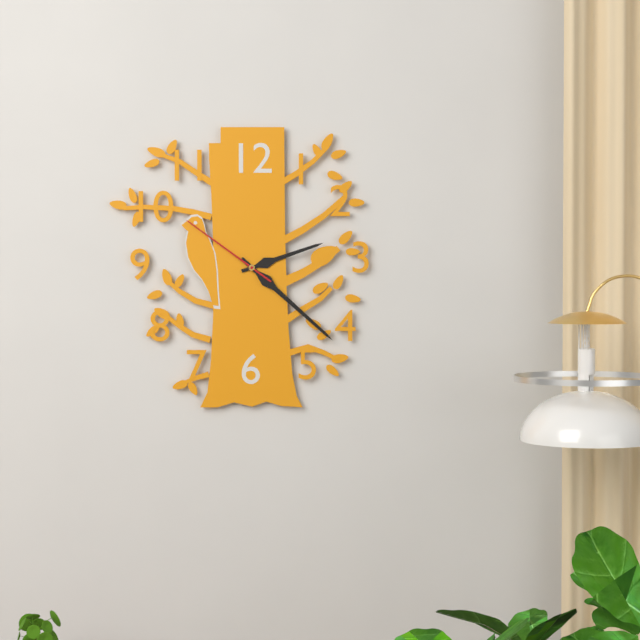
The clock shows 2.22.51
